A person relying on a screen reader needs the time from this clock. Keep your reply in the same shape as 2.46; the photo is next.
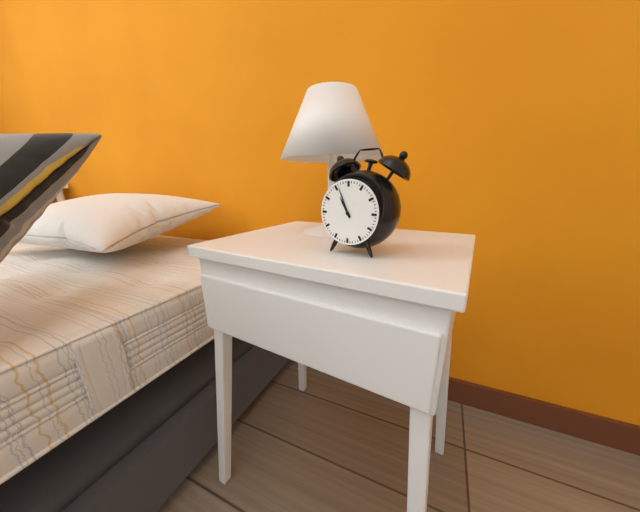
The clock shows 10.56
